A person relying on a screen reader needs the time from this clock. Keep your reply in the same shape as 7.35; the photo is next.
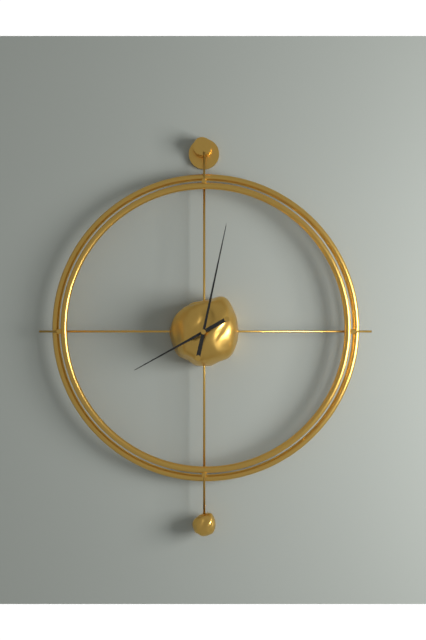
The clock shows 8.02
